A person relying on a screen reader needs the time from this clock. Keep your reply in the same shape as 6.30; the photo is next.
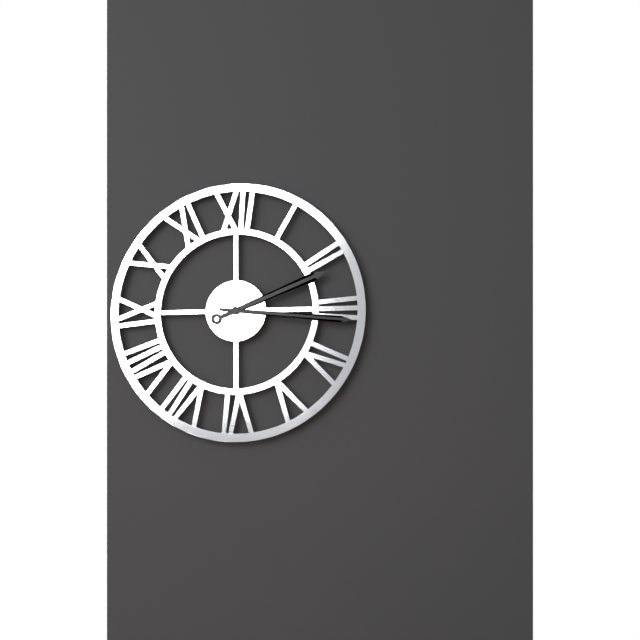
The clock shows 2.16
